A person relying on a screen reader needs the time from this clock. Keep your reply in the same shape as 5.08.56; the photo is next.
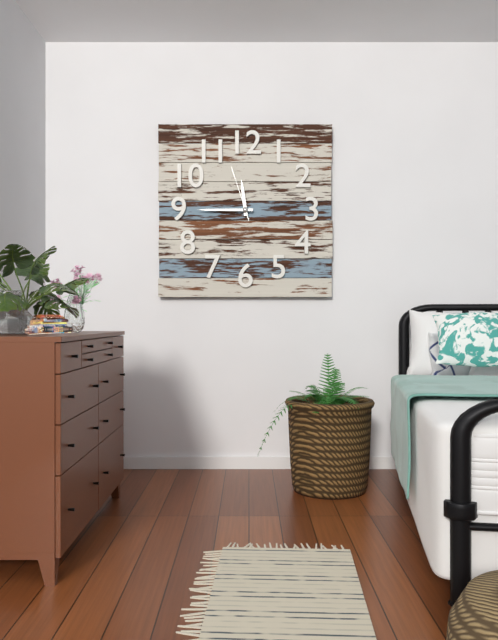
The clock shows 11.45.57
